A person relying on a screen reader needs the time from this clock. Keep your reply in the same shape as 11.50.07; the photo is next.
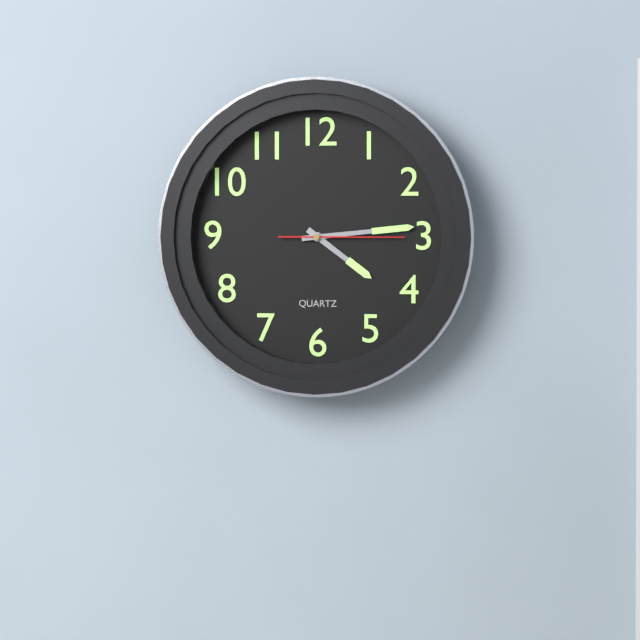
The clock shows 4.14.15
